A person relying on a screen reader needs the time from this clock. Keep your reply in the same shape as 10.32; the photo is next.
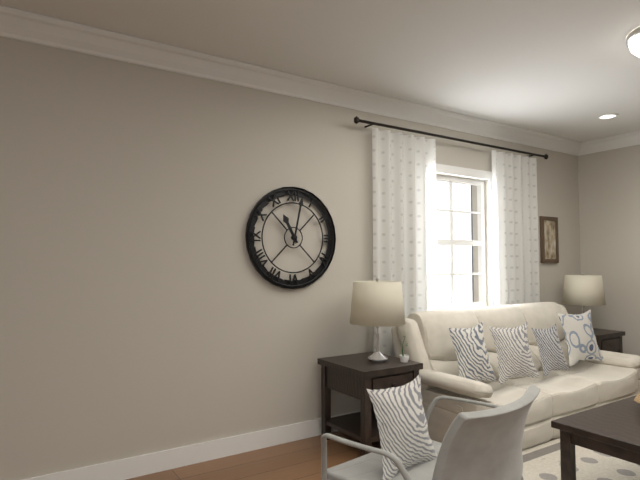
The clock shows 11.02
